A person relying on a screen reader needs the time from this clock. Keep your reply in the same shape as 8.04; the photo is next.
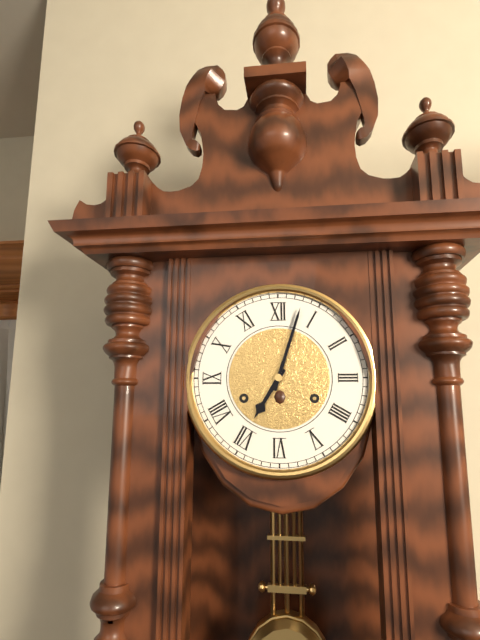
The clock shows 7.03
